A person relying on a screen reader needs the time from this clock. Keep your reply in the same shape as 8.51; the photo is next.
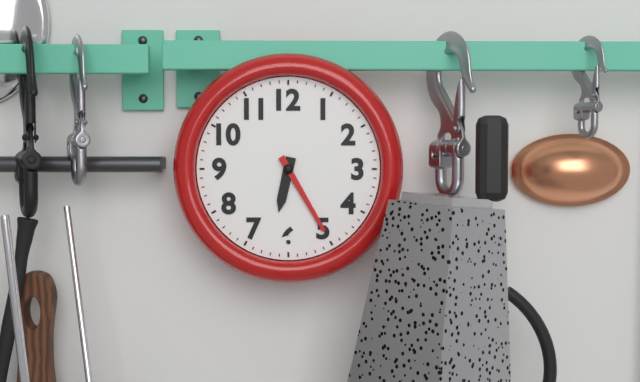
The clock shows 6.25
